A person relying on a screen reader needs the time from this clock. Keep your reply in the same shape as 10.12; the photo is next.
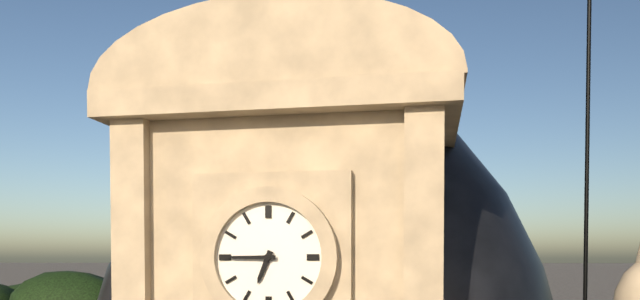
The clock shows 6.45
